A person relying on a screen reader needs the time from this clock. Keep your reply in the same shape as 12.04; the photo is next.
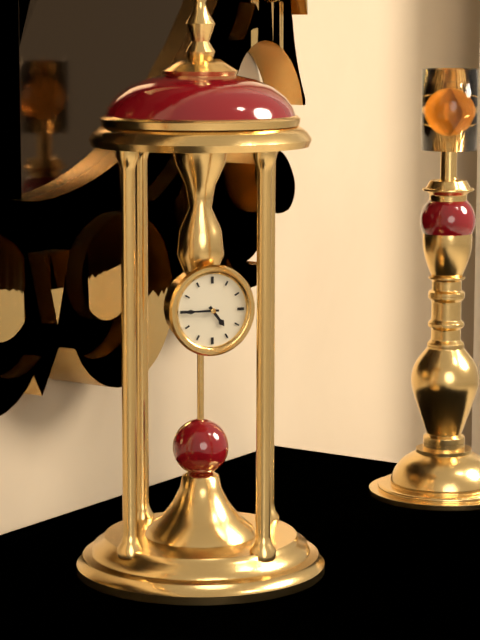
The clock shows 4.45
